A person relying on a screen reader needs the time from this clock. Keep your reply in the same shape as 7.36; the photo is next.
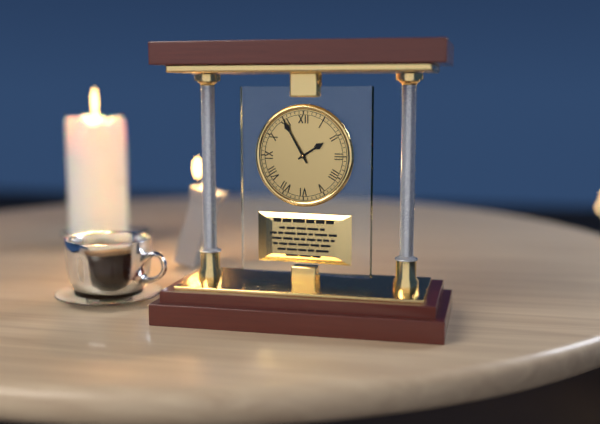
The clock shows 1.55
